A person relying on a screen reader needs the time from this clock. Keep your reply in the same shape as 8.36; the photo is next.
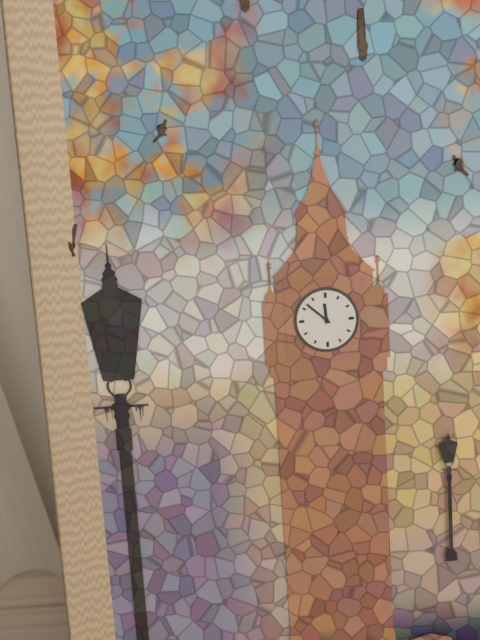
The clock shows 11.52
